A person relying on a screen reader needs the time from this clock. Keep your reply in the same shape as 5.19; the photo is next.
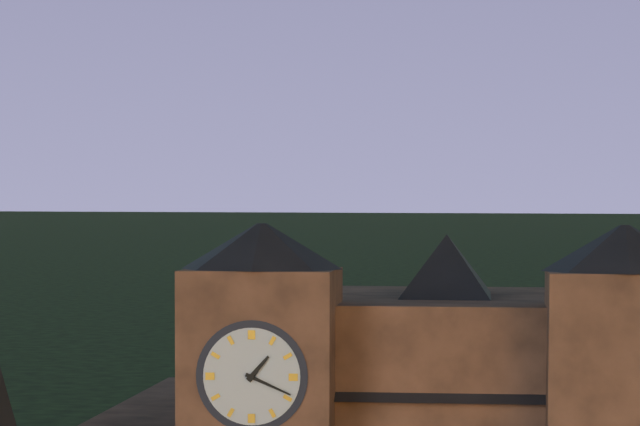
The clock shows 1.19
